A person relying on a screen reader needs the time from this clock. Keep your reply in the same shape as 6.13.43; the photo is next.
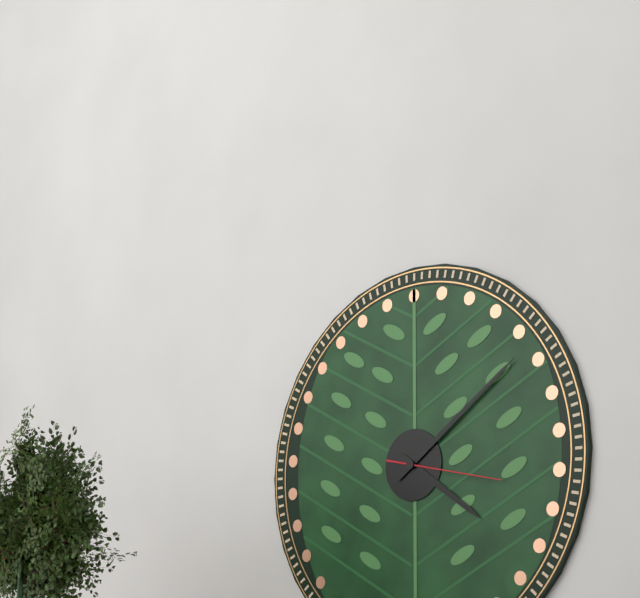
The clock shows 4.09.17
